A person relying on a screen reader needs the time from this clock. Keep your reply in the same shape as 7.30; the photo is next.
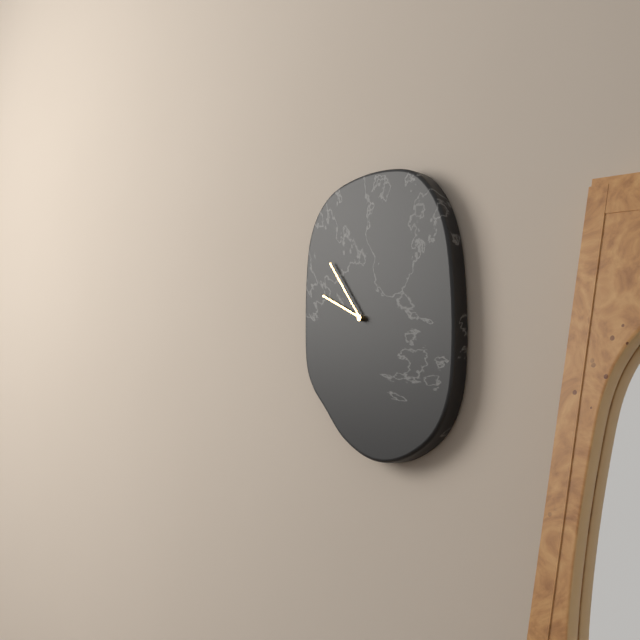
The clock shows 9.54
